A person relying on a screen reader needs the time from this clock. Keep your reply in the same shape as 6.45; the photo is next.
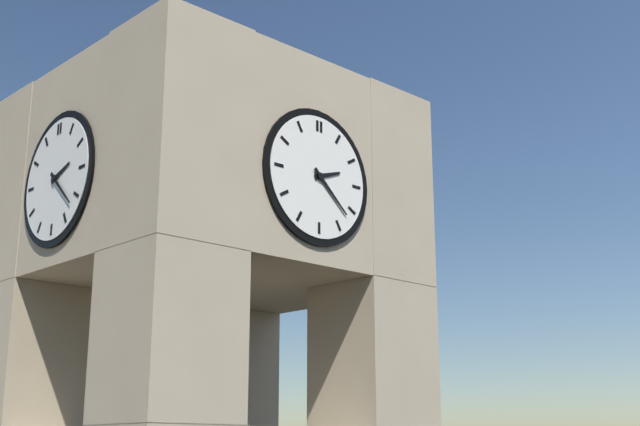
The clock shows 2.22
